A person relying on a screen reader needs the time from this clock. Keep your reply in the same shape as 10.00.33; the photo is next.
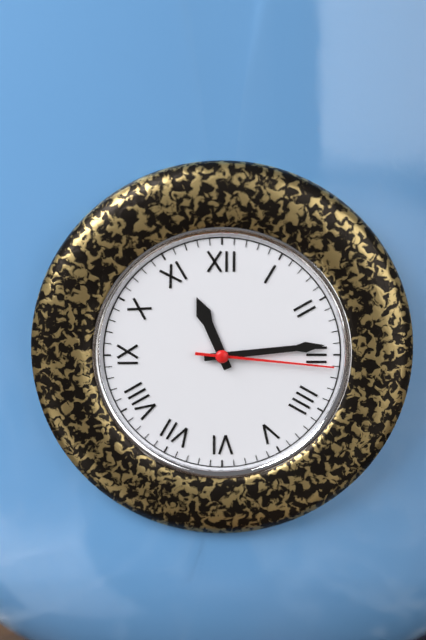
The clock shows 11.14.16
